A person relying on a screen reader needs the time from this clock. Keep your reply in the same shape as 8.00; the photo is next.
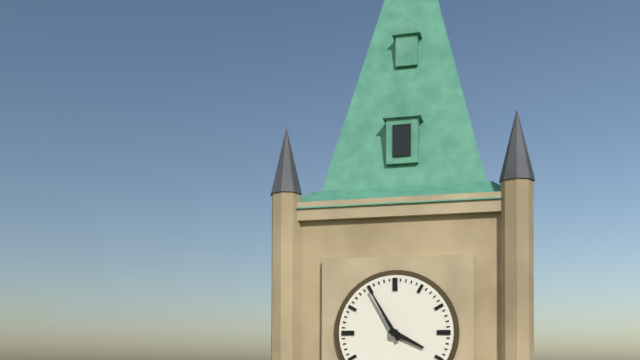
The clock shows 3.55
